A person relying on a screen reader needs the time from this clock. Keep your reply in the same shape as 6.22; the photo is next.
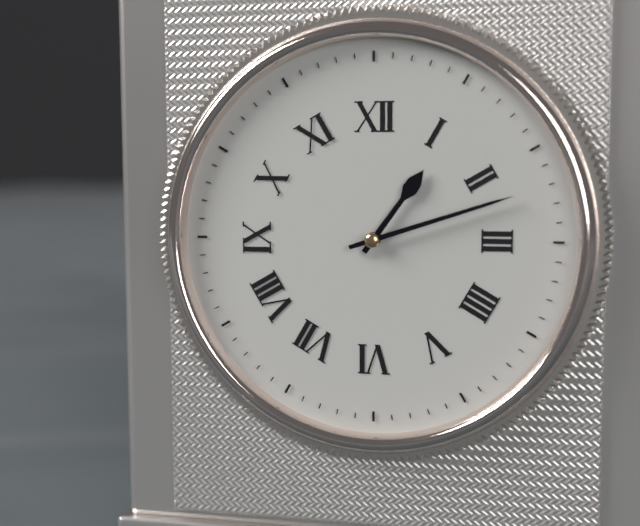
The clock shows 1.12
